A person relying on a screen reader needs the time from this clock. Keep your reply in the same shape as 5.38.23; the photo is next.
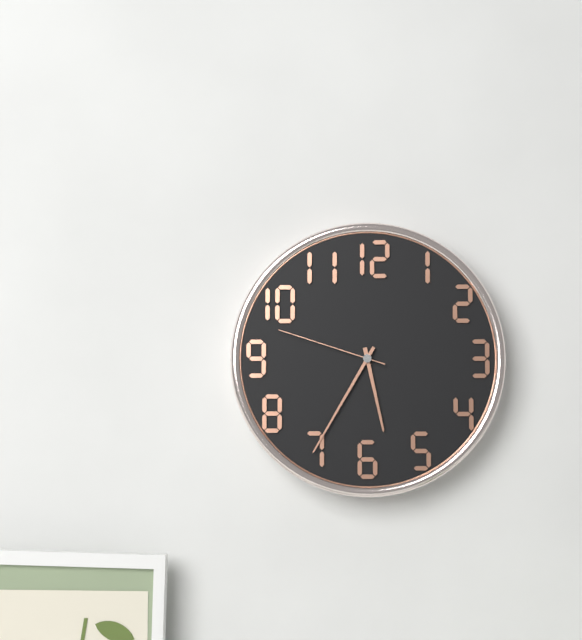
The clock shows 5.35.48
